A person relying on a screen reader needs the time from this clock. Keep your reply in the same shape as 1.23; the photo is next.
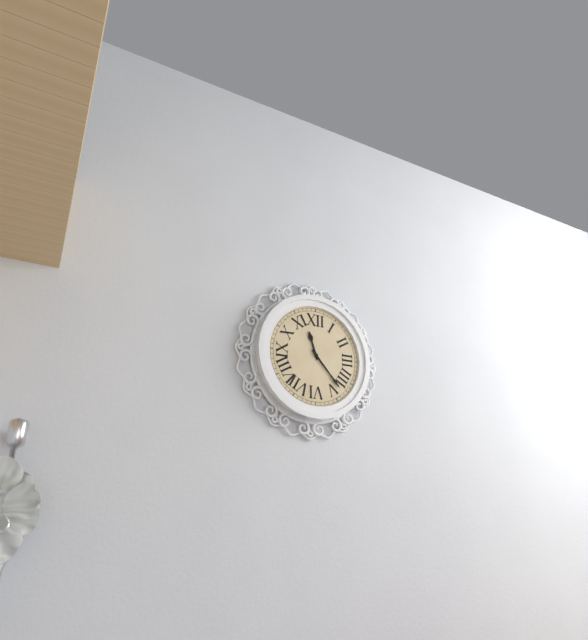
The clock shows 11.23
